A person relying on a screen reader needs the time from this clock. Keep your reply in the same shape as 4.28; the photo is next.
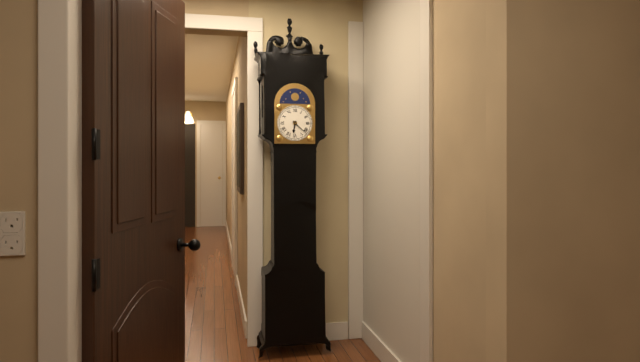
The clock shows 6.22
